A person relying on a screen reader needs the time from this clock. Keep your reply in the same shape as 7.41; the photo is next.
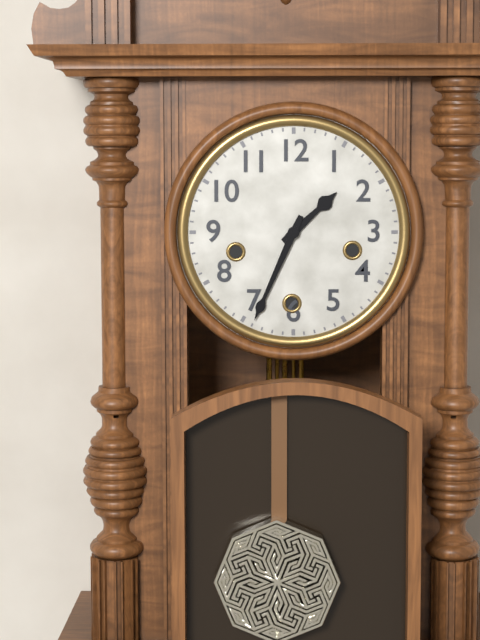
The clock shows 1.34
